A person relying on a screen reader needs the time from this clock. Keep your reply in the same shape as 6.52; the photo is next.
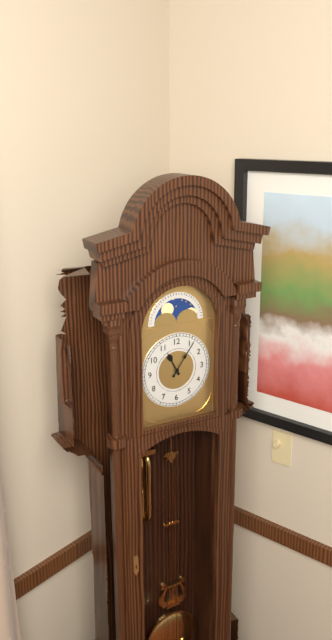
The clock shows 11.06
